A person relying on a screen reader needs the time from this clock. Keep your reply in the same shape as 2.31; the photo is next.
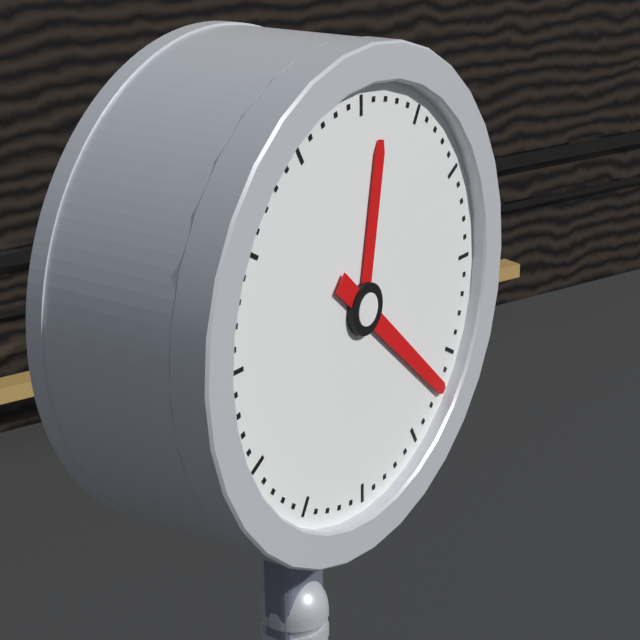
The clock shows 12.22
